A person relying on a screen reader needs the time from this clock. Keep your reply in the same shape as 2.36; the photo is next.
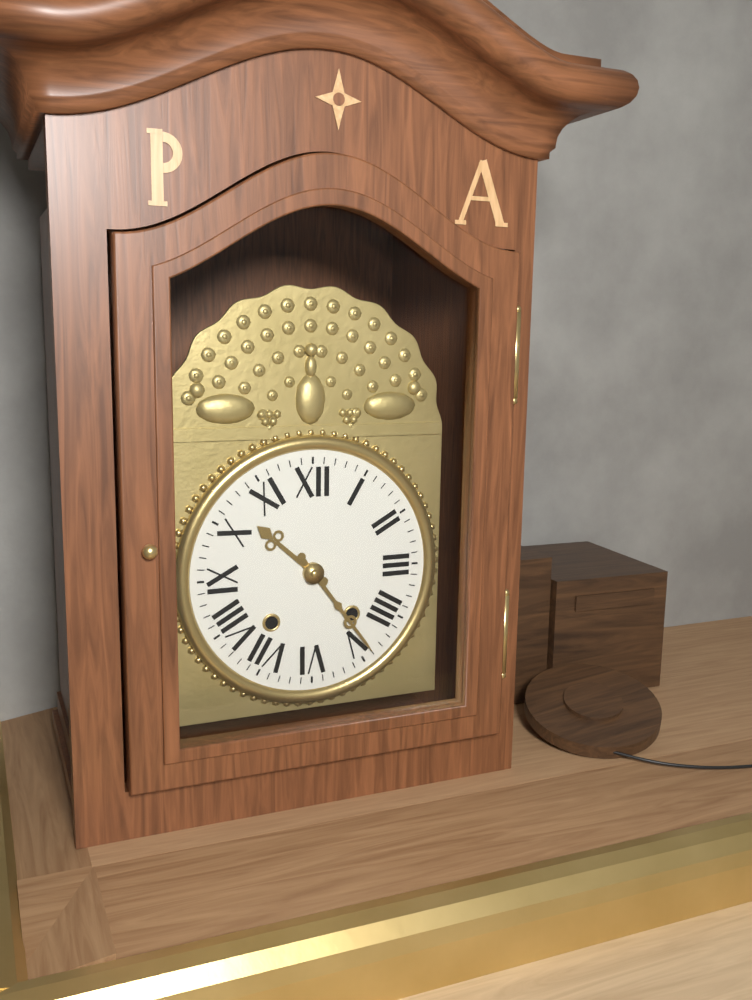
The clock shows 10.24
